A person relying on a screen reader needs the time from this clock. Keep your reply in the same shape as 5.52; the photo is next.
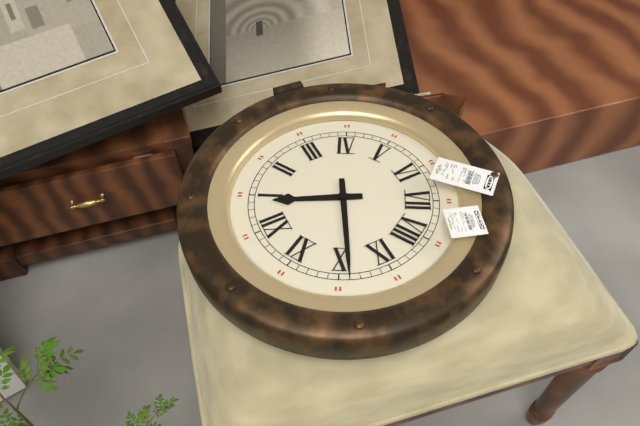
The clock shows 12.49
